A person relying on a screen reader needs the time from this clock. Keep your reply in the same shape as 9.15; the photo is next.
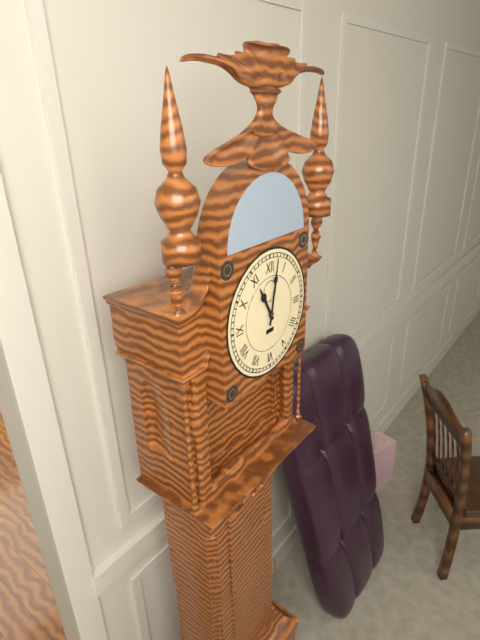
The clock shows 11.02
